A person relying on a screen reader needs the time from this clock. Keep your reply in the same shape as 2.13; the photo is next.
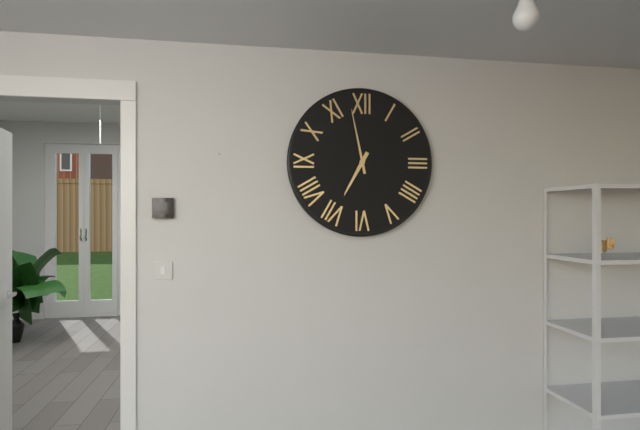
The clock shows 6.58
